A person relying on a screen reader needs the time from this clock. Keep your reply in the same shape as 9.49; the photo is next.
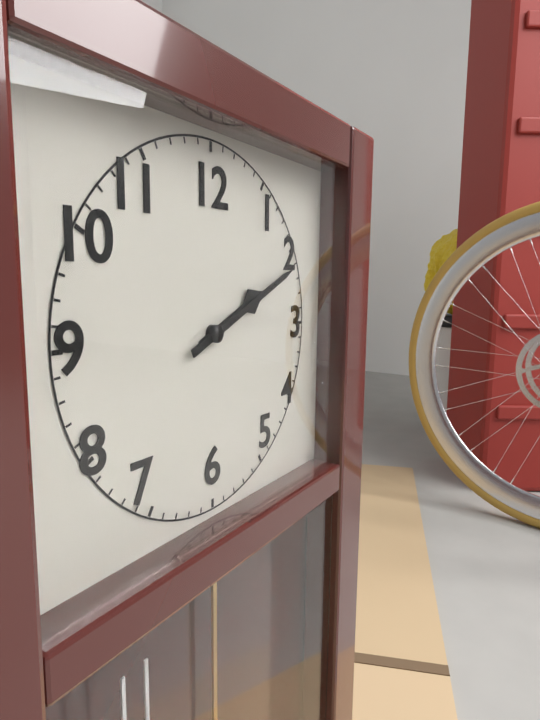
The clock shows 2.11
